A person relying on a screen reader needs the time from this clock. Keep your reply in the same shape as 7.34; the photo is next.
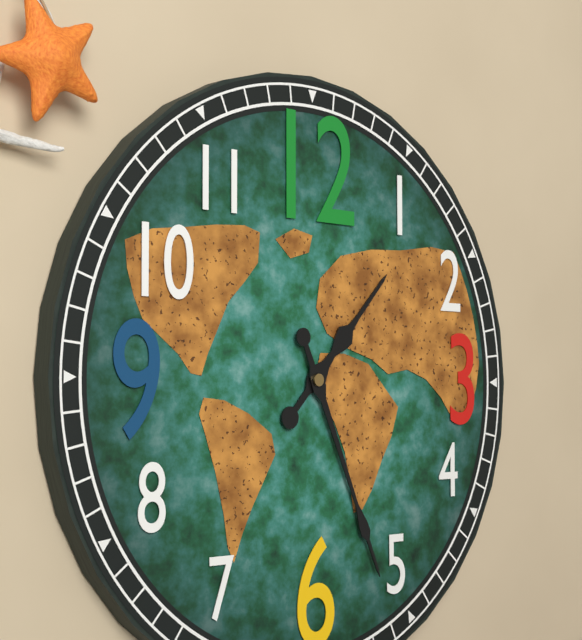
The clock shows 1.26
